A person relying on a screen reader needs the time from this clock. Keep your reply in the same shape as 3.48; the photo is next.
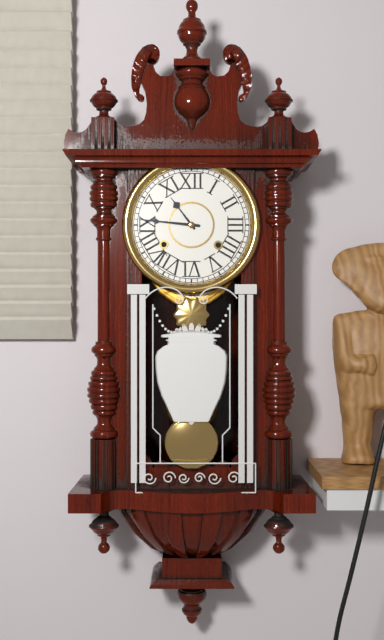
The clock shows 10.46
